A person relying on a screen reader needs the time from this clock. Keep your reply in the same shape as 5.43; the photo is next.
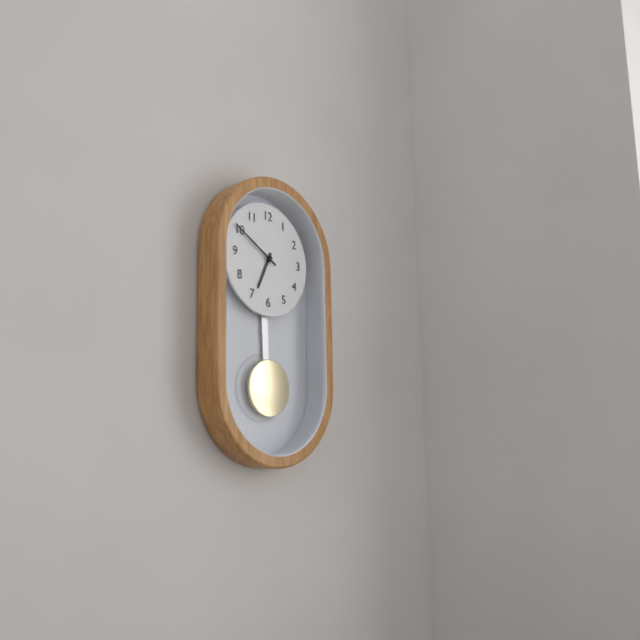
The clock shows 6.50
